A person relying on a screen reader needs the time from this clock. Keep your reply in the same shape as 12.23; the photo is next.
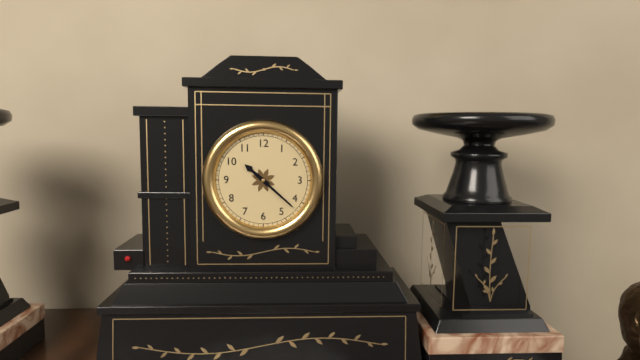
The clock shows 10.22
